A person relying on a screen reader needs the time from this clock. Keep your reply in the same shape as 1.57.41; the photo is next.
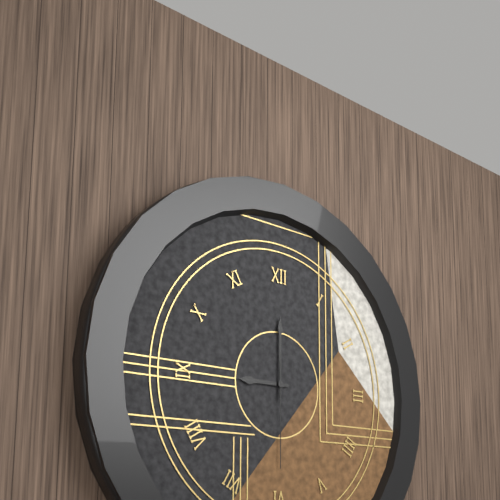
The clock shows 9.00.30
